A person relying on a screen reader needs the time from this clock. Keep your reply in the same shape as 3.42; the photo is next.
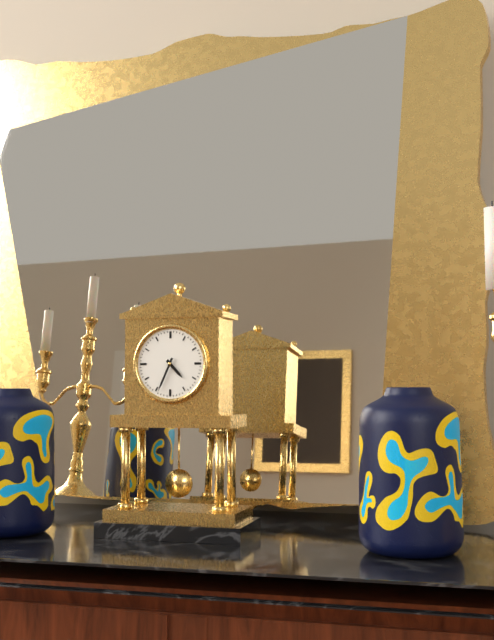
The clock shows 4.34
